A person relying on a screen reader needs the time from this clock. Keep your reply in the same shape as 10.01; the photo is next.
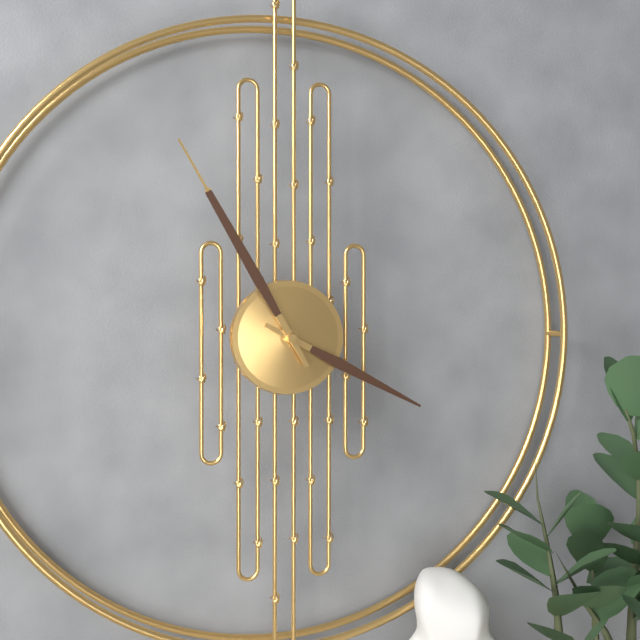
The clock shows 3.55
